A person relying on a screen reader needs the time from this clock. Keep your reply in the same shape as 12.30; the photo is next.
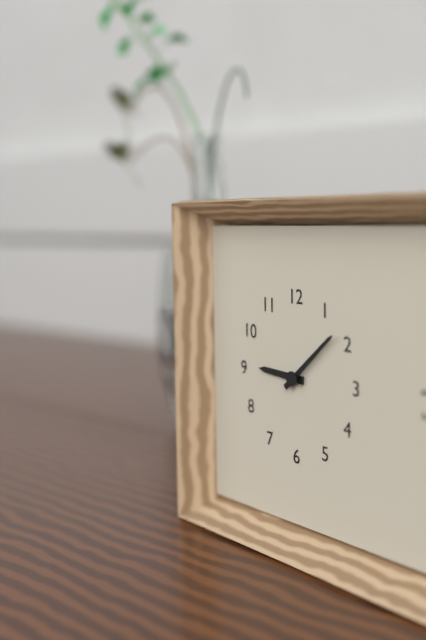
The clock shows 9.08
